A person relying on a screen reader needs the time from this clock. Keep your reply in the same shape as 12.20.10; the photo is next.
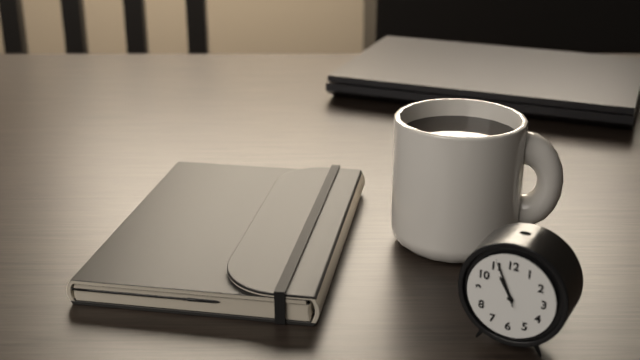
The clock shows 10.56.56
